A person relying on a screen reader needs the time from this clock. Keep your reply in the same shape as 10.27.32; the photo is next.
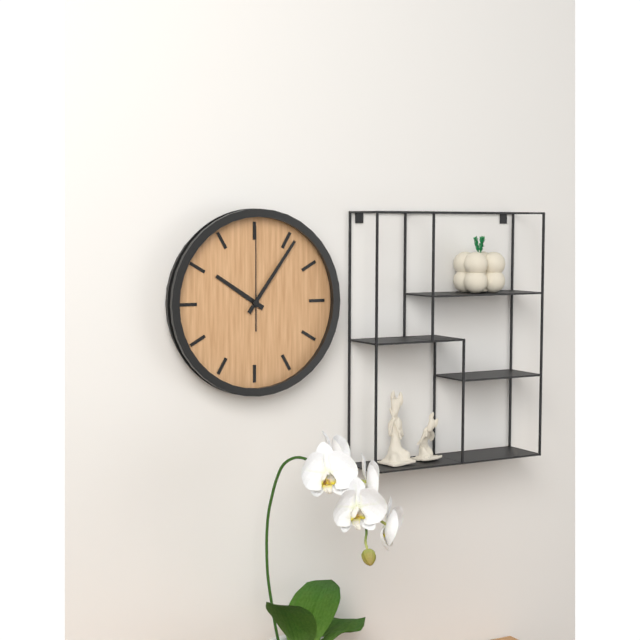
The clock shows 10.06.00
